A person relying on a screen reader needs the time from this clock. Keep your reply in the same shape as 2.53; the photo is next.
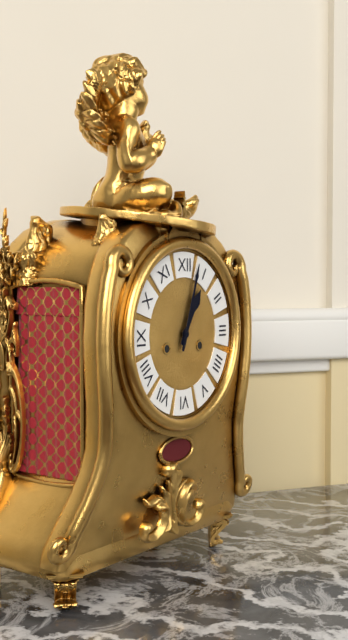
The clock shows 1.03
